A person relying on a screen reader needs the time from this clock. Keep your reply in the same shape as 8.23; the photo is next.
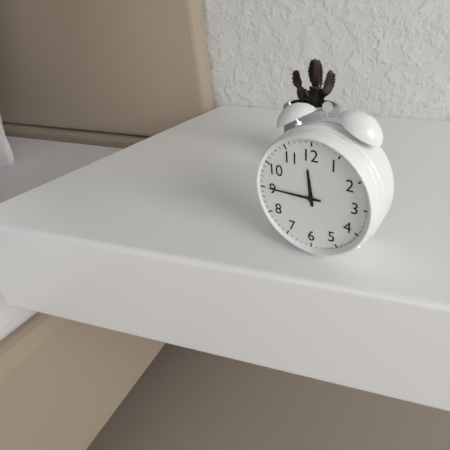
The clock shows 11.45
